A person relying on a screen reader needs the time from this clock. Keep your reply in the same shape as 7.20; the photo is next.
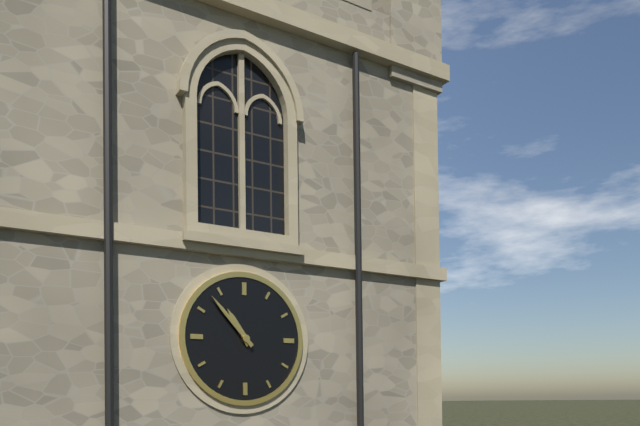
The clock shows 10.53
